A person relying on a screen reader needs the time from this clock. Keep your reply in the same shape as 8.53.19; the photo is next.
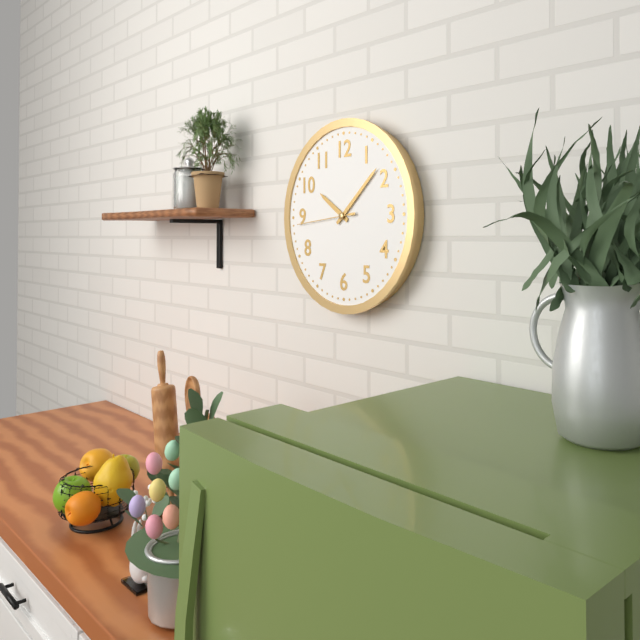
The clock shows 10.08.44
